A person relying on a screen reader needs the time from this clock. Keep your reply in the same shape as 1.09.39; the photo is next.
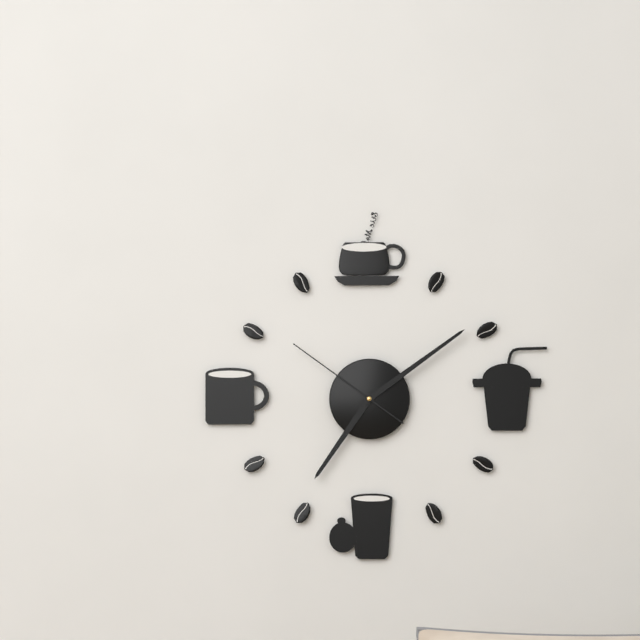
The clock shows 7.09.51
